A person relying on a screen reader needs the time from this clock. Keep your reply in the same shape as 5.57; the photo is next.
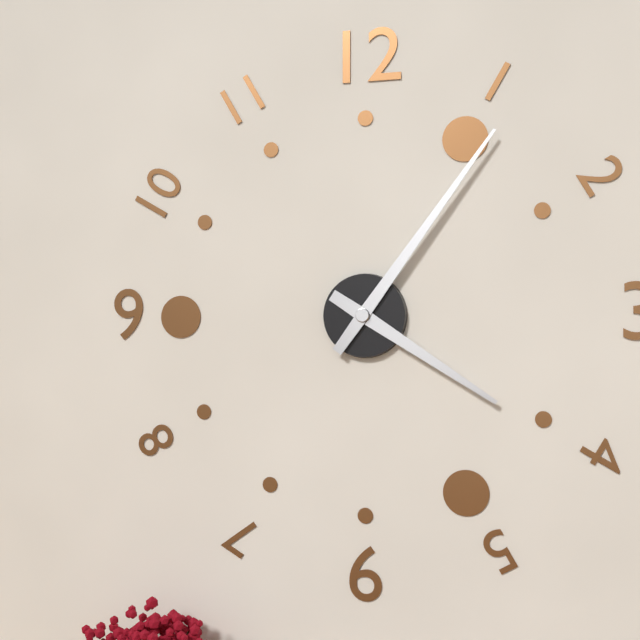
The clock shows 4.06
